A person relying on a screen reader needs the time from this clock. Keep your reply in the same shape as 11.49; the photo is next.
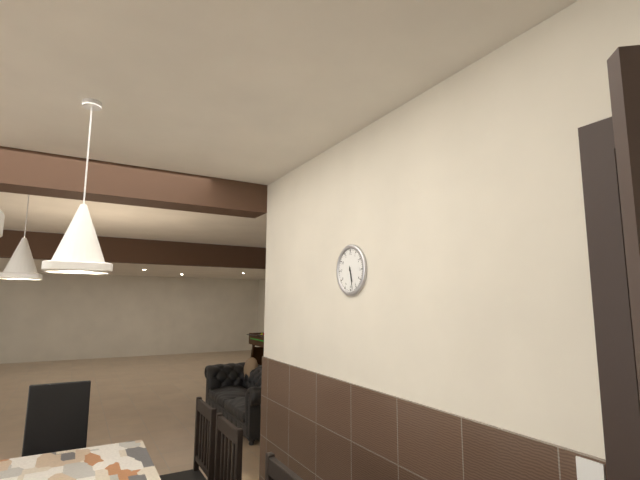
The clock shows 5.28
